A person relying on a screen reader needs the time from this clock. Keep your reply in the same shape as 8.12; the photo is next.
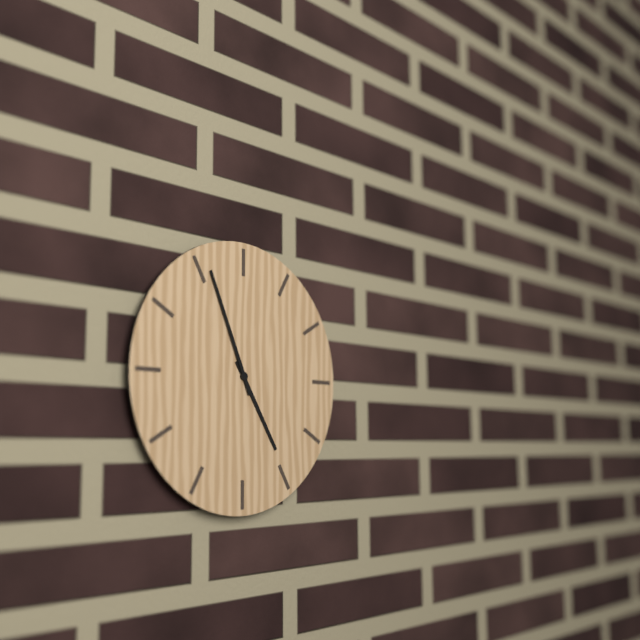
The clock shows 4.56
